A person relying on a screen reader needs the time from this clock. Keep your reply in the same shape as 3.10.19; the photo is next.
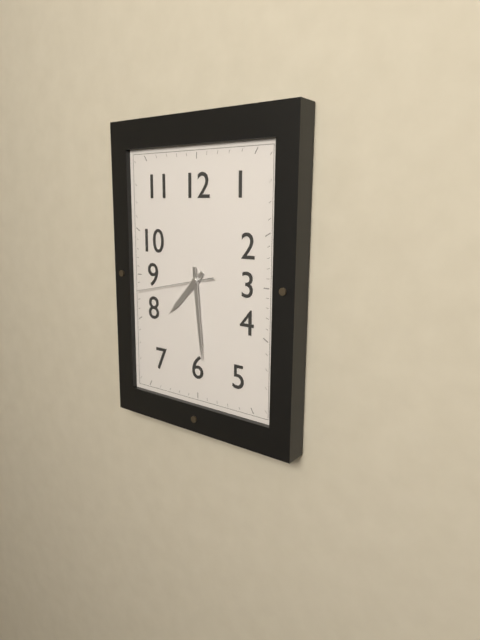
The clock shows 7.29.43
